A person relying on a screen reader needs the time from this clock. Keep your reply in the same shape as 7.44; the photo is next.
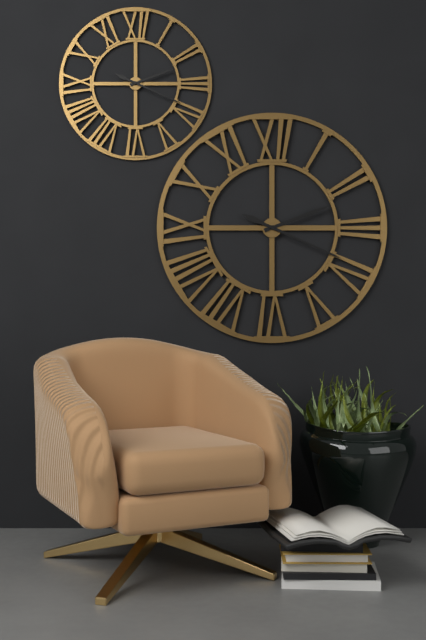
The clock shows 2.19
